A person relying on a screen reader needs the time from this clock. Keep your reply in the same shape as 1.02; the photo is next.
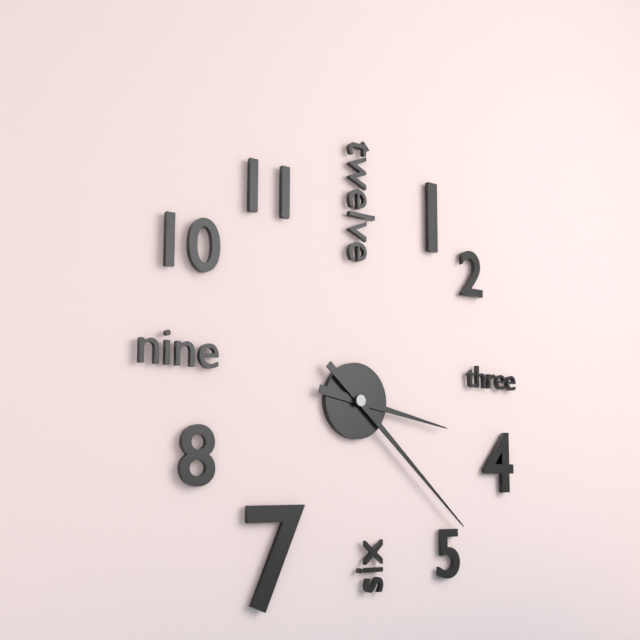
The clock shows 3.22
